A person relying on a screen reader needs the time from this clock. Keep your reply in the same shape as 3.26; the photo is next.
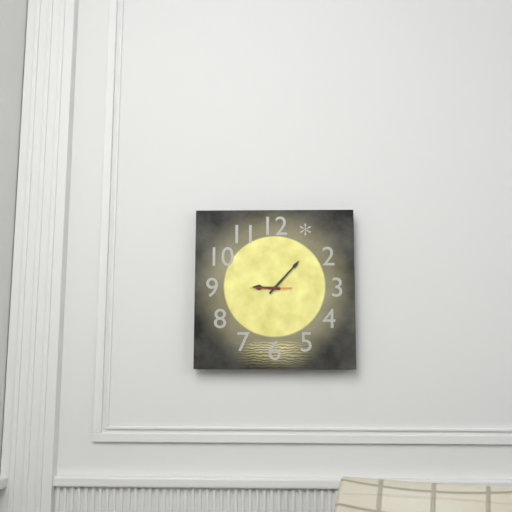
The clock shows 9.07
